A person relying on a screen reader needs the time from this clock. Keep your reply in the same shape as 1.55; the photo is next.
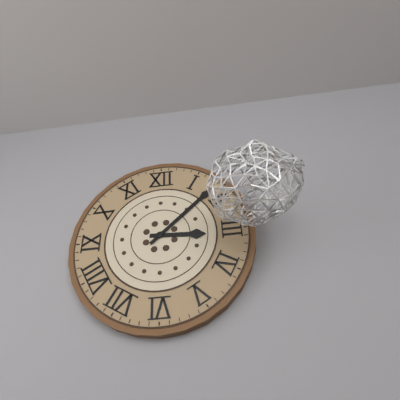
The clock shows 3.08
